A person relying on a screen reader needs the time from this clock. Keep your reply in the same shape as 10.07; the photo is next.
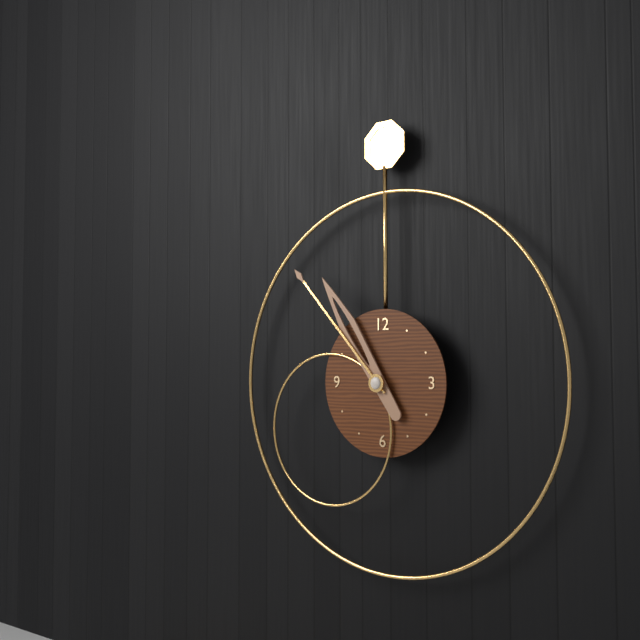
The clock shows 10.53
